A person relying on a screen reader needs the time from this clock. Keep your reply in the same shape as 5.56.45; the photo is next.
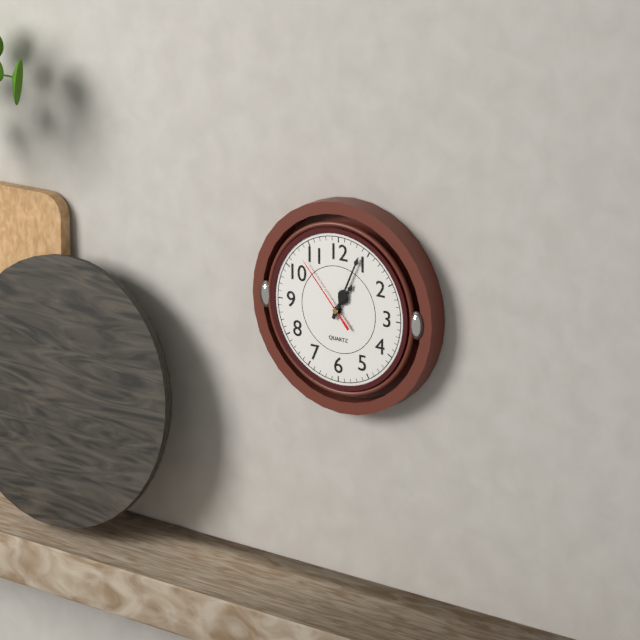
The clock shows 1.04.53
